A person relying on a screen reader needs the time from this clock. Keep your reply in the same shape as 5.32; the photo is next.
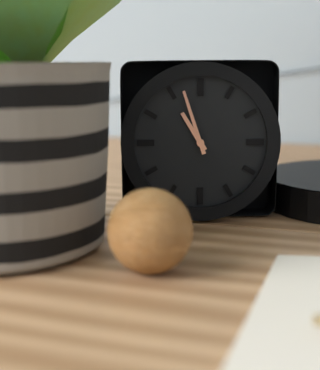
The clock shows 10.57
